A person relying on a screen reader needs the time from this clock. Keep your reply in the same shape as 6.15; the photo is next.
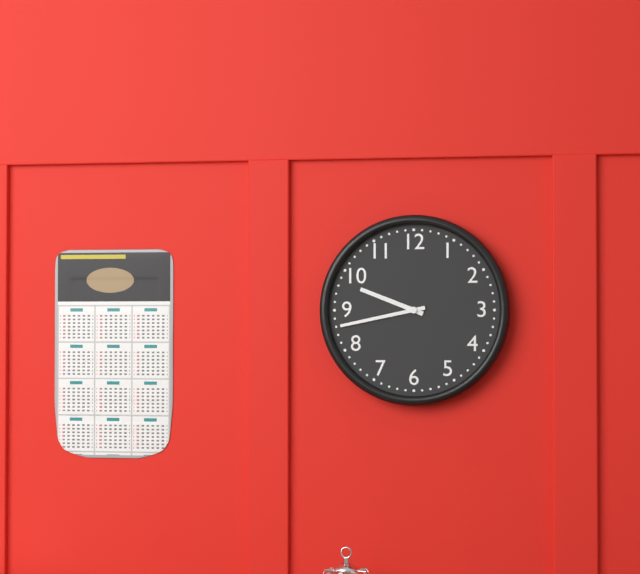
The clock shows 9.43
